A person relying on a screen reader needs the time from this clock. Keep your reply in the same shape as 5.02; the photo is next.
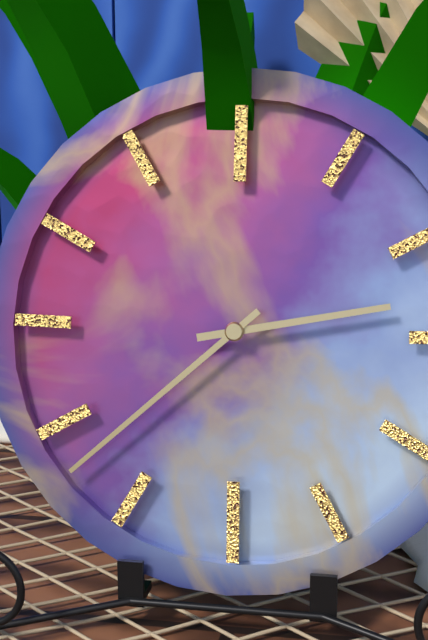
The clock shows 2.38
